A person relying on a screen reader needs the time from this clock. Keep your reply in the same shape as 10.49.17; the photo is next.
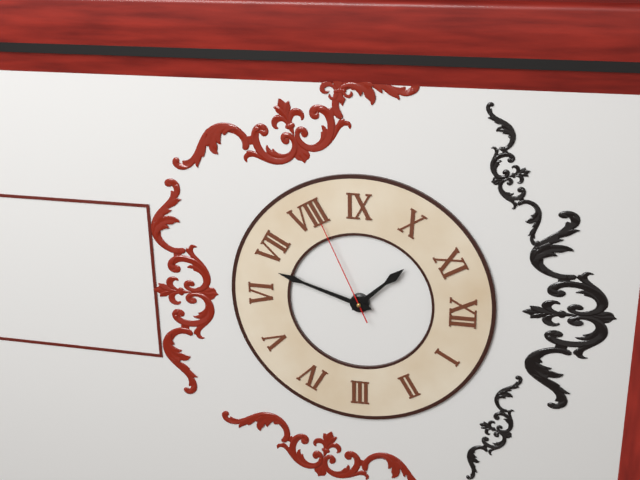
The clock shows 10.33.41
